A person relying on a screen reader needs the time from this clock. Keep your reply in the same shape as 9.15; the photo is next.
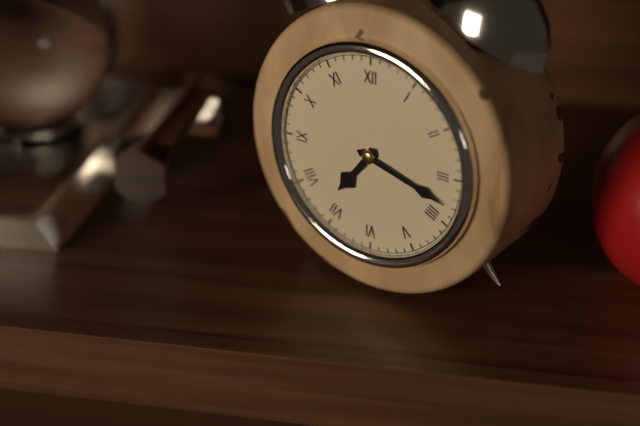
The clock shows 7.18
